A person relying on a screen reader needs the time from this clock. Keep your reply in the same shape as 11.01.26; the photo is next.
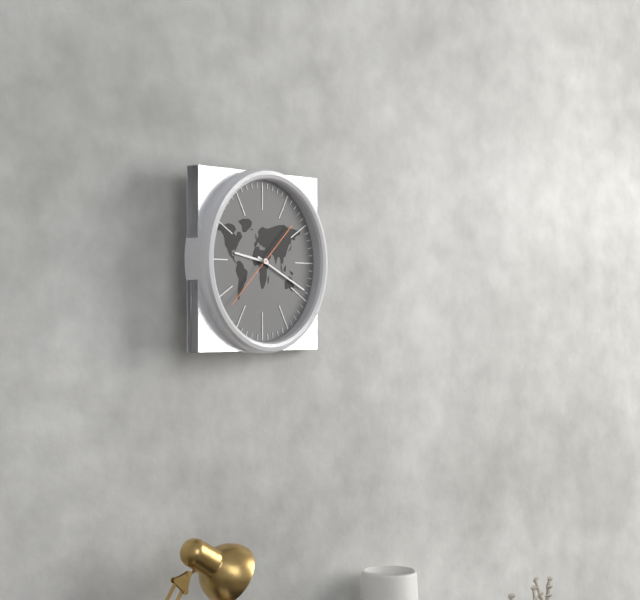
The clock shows 9.19.38
